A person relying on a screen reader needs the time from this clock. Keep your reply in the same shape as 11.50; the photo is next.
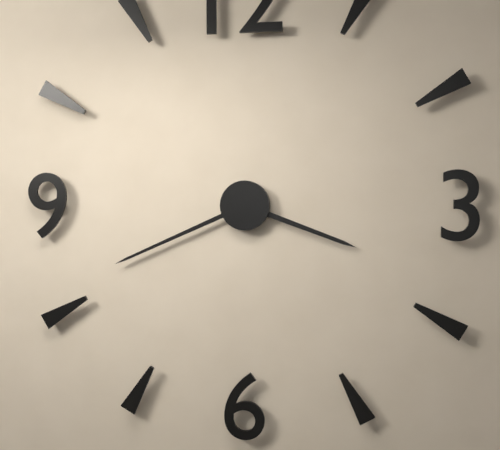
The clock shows 3.41
